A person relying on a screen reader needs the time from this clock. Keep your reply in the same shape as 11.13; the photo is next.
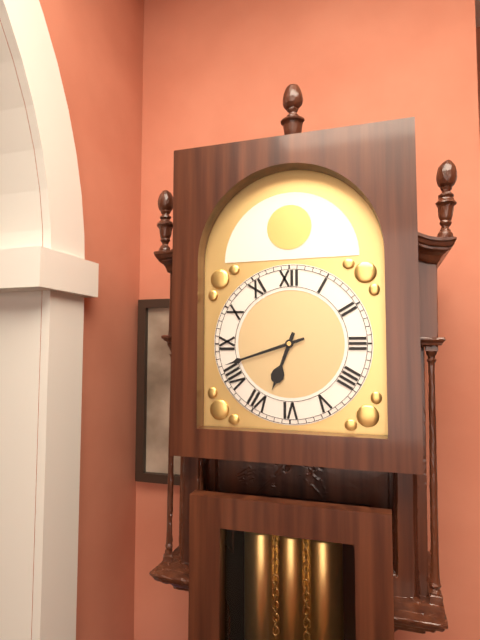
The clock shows 6.42
